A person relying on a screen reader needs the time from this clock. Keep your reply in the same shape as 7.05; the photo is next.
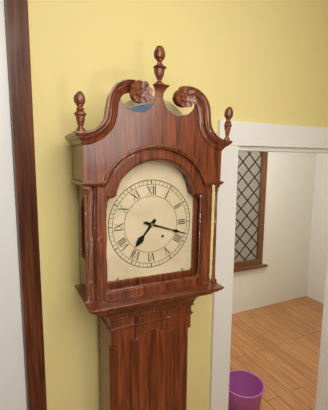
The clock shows 7.18
